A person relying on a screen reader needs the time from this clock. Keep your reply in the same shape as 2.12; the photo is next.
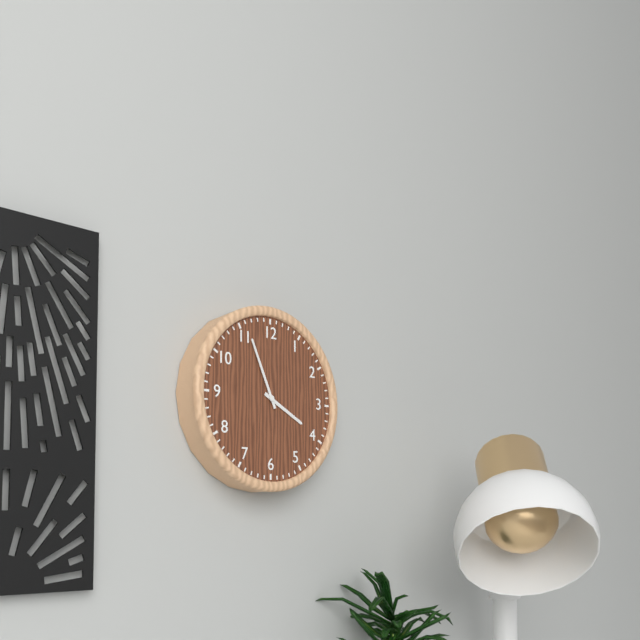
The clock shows 3.56
